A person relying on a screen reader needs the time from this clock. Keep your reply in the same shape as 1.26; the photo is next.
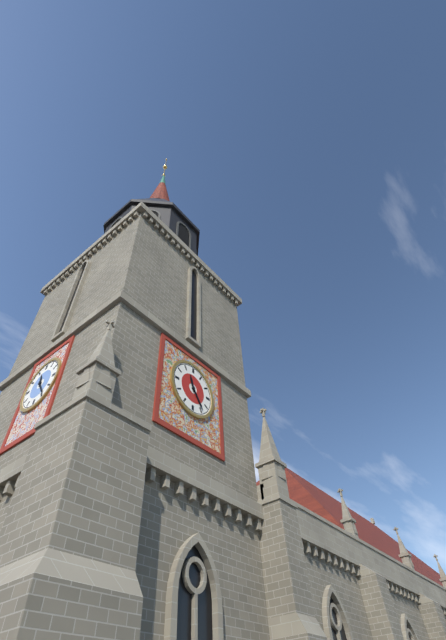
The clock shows 11.24
